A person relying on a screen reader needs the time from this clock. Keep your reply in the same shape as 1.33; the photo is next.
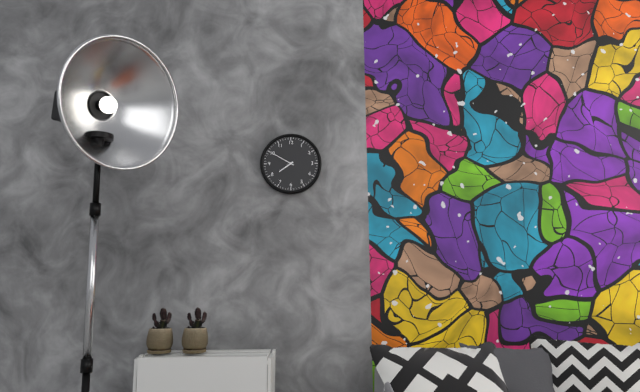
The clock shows 7.50
